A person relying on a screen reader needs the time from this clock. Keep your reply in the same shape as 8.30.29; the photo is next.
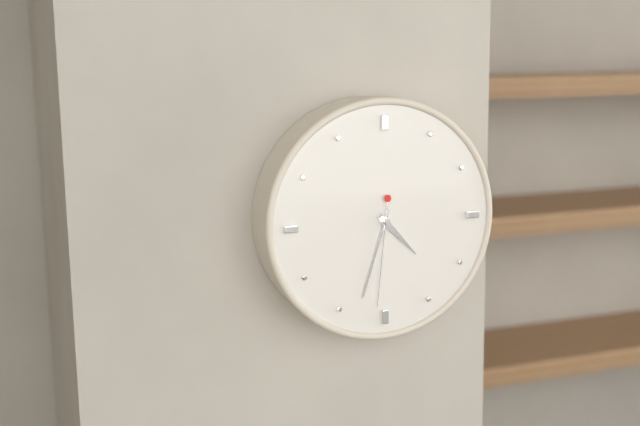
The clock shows 4.33.31
